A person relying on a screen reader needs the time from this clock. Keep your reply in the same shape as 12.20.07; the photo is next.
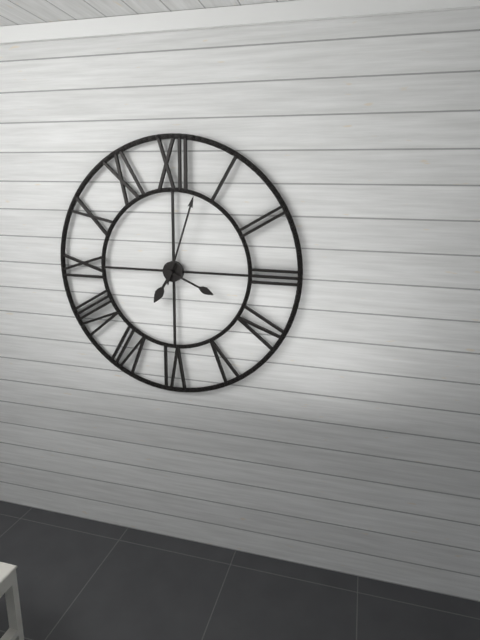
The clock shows 7.03.19
